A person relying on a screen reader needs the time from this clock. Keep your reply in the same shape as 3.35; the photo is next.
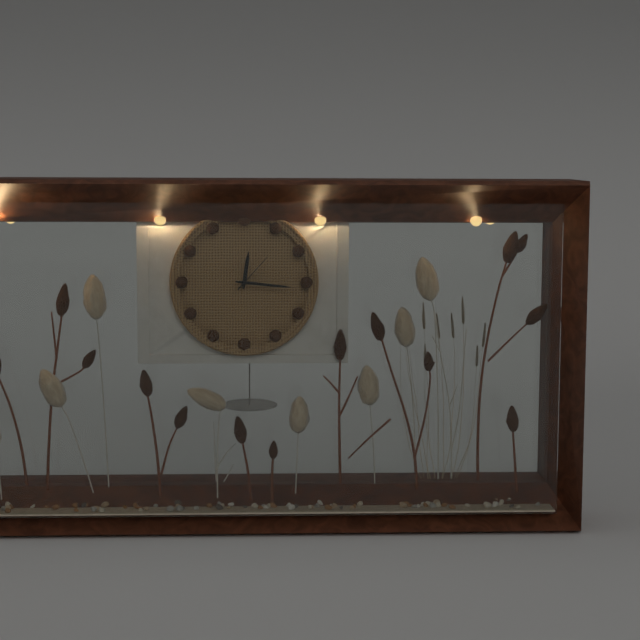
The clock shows 12.16
